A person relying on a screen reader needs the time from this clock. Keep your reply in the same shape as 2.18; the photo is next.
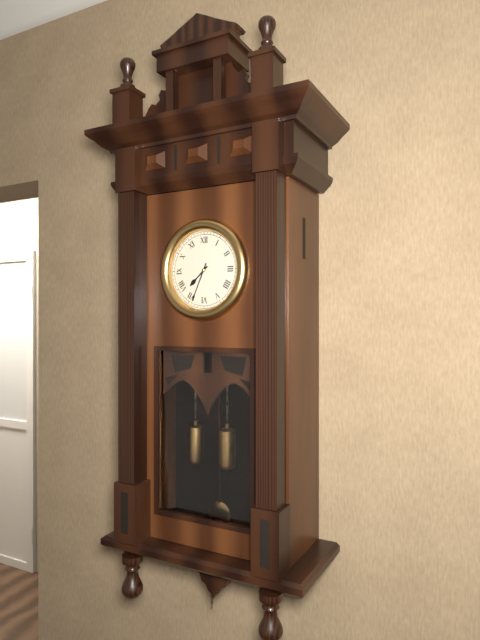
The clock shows 7.34
